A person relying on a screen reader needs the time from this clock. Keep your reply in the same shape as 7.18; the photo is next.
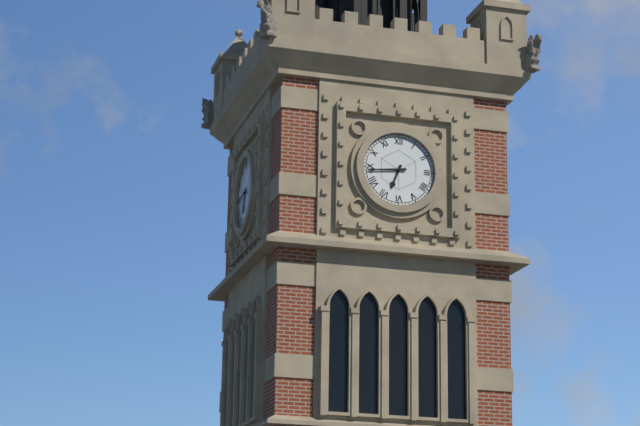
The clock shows 6.44
